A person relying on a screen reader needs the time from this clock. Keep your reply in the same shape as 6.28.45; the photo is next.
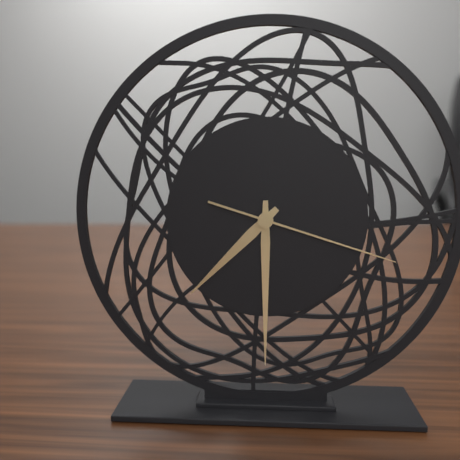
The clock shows 7.30.18
